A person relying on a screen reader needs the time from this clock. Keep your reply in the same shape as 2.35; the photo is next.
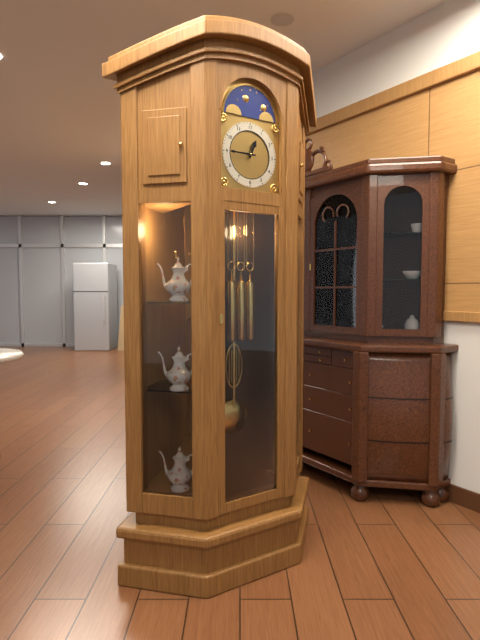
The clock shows 12.45
